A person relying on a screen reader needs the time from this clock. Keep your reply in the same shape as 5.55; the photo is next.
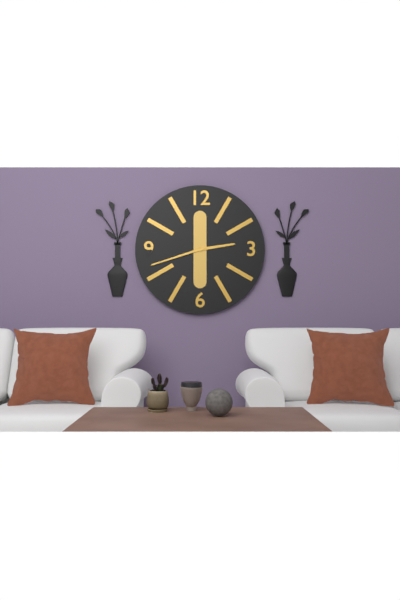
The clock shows 2.42
